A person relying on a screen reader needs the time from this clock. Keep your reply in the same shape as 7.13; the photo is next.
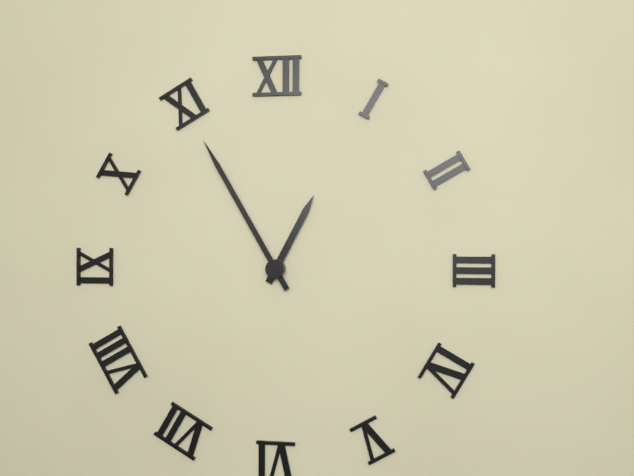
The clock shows 12.55
